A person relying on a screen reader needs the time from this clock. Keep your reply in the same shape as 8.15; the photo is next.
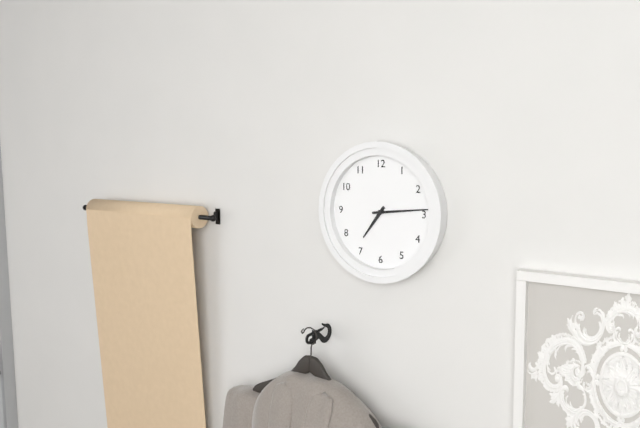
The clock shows 7.14
